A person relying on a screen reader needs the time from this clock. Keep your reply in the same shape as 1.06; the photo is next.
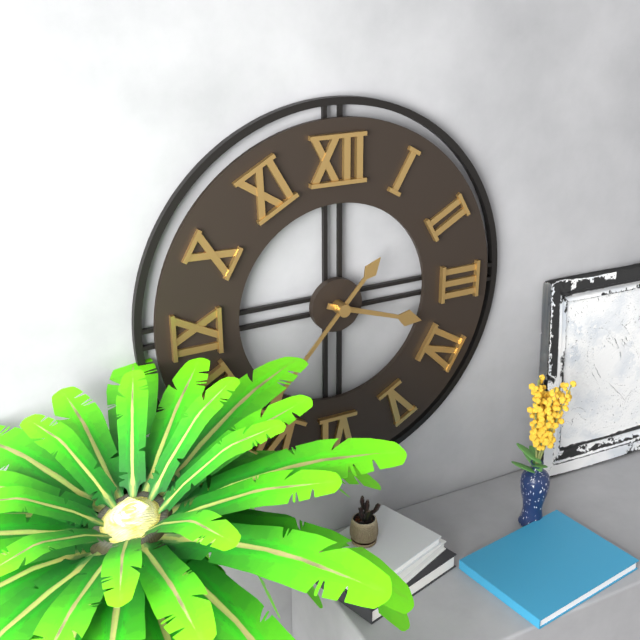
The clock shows 3.37
